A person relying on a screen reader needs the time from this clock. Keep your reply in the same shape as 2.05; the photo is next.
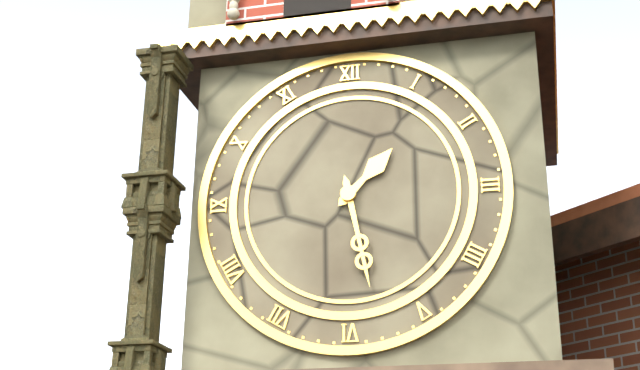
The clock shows 1.28
